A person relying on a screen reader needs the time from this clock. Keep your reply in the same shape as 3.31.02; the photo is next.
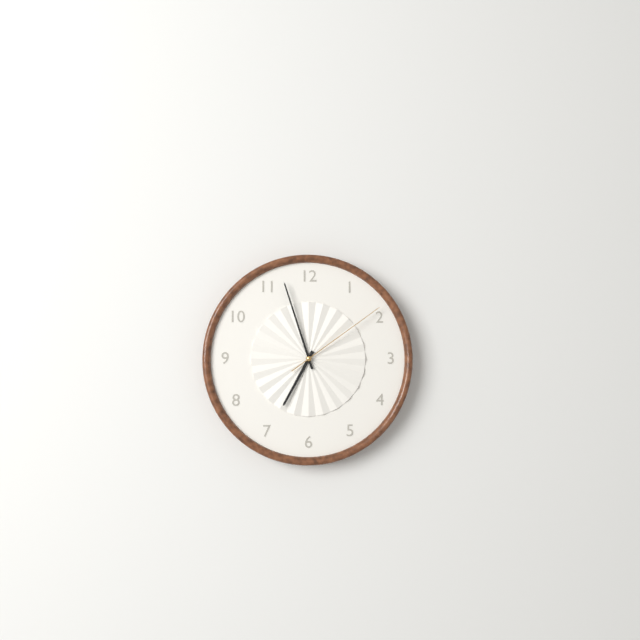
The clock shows 6.57.09
